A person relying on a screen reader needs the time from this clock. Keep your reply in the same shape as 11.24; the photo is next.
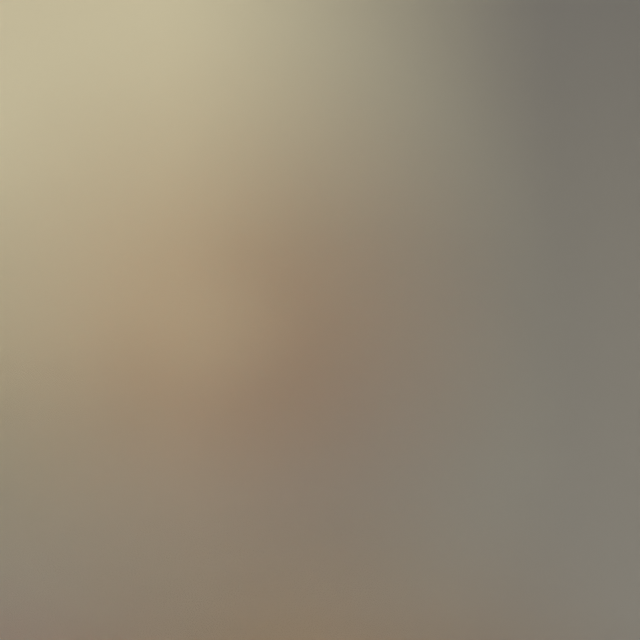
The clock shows 11.49
